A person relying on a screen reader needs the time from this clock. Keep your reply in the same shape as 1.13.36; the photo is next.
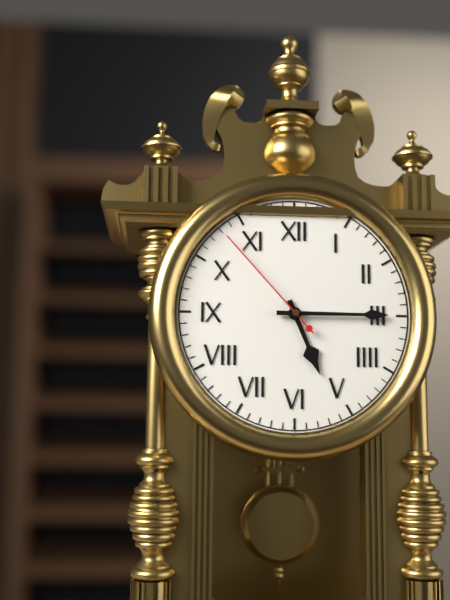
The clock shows 5.15.53
